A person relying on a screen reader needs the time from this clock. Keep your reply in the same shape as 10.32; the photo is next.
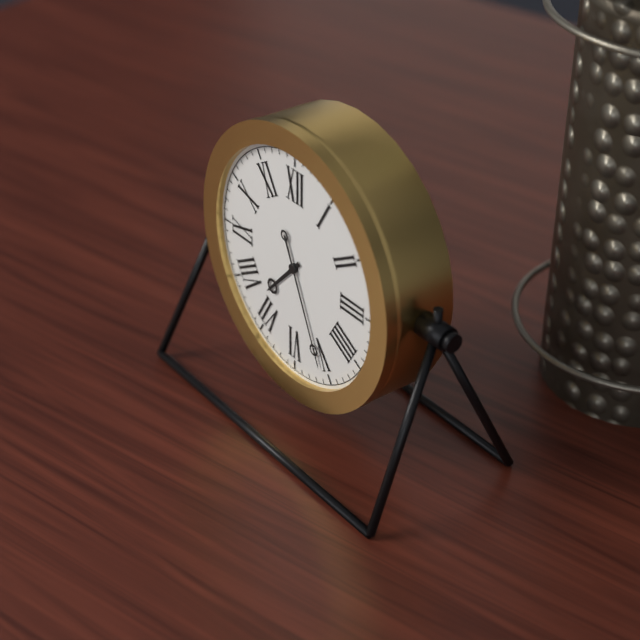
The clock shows 7.26
